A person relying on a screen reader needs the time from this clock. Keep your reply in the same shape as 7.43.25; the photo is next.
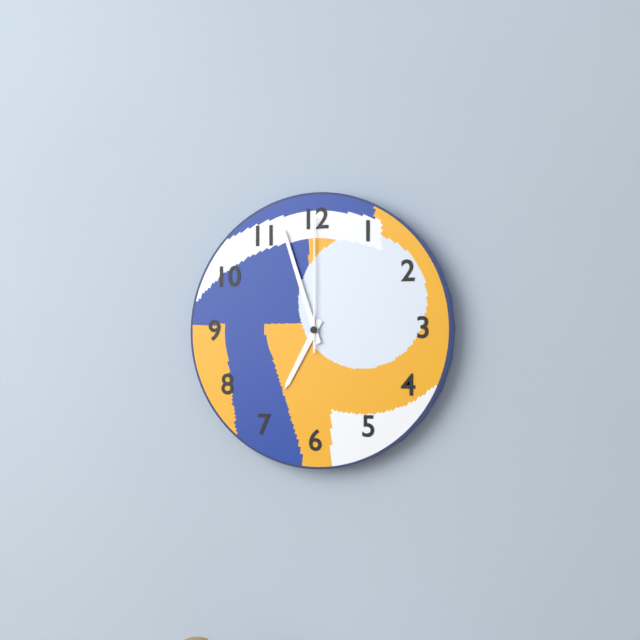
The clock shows 6.57.00
